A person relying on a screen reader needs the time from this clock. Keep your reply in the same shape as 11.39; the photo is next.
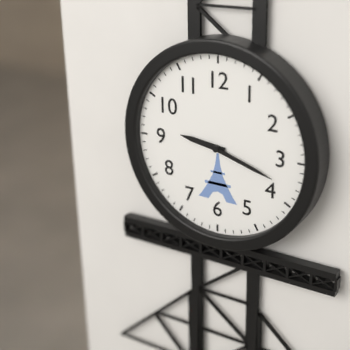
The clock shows 9.18
